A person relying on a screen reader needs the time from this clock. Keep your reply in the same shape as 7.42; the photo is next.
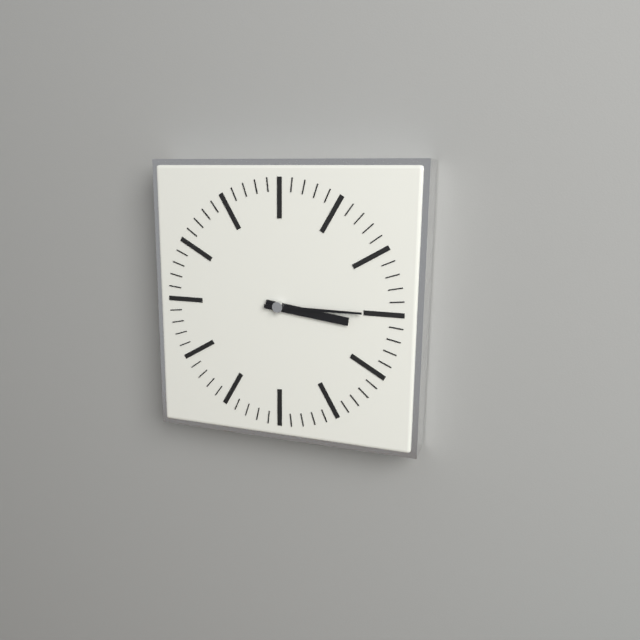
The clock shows 3.15
